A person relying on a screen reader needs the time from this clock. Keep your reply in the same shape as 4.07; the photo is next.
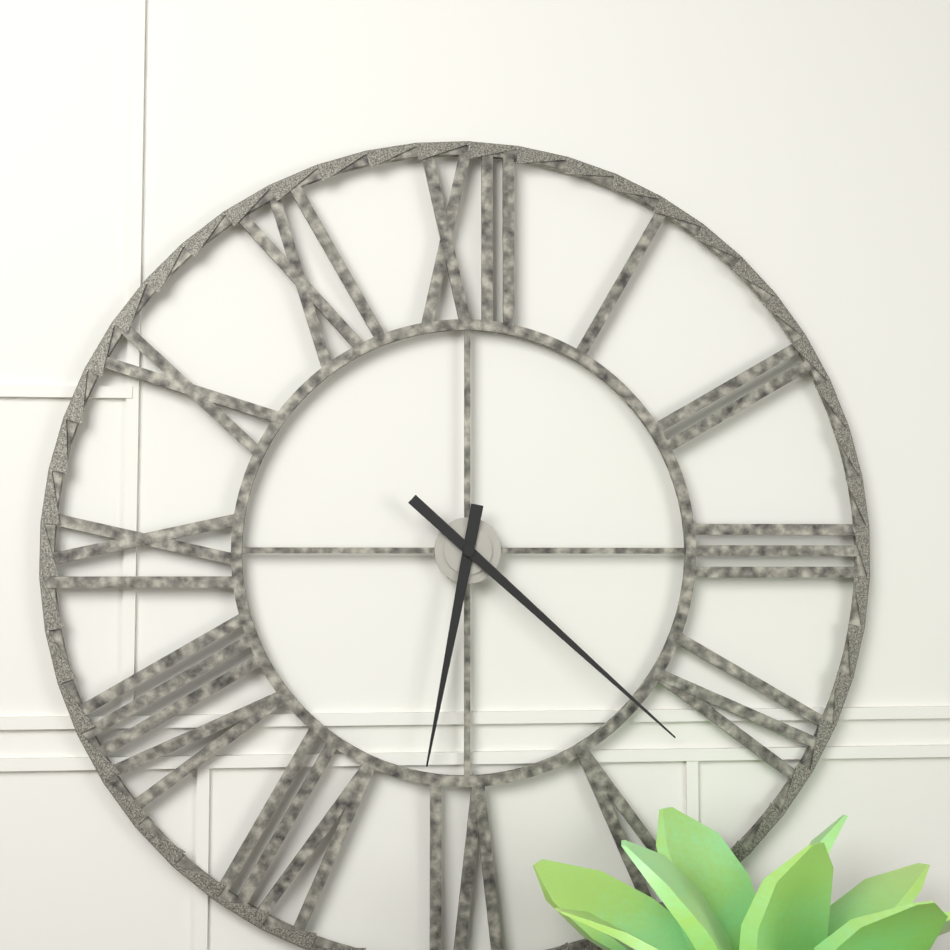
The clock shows 6.22
